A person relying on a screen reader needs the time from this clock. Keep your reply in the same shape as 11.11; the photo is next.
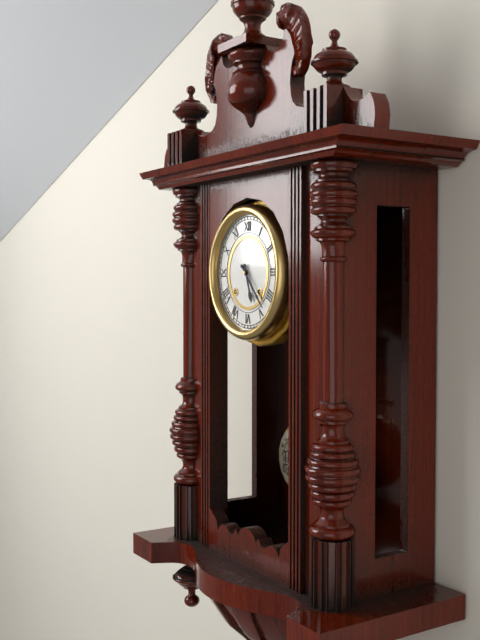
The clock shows 5.23
